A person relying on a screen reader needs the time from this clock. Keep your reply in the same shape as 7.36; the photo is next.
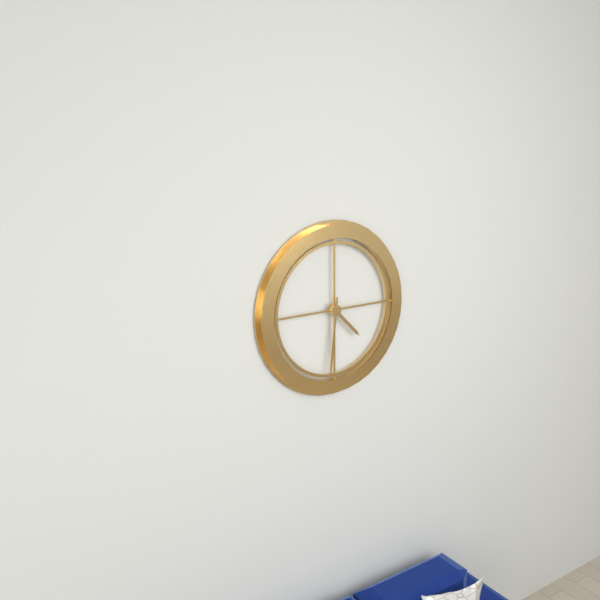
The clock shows 4.31
